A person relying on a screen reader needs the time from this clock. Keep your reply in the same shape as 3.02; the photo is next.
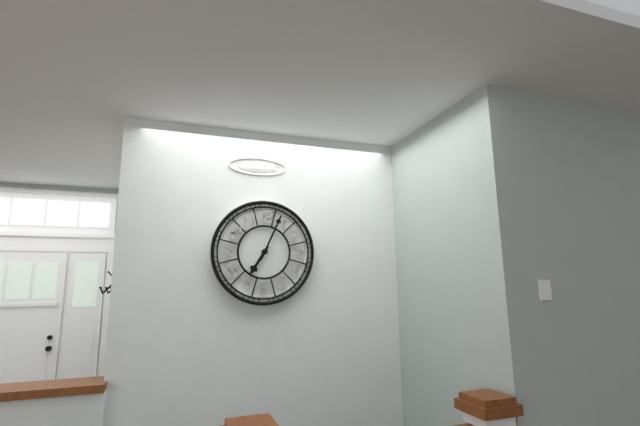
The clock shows 7.04
